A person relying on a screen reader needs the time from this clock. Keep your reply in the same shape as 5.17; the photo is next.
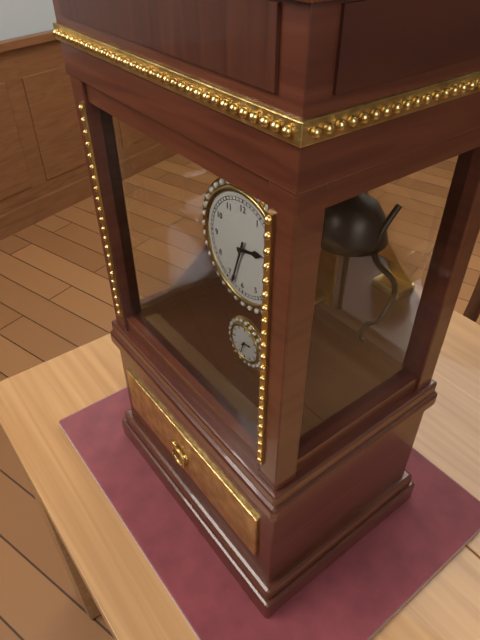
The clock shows 2.33
